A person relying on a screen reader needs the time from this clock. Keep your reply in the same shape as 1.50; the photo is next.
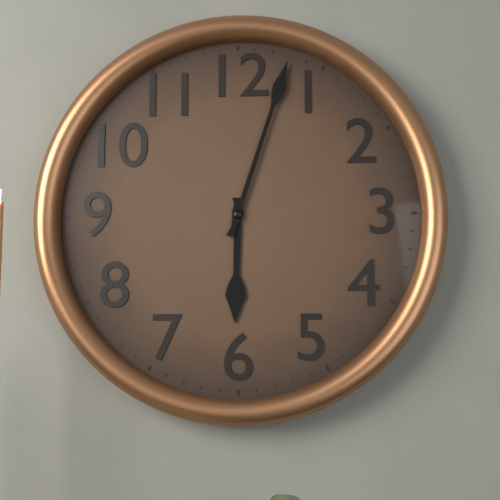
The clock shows 6.03
